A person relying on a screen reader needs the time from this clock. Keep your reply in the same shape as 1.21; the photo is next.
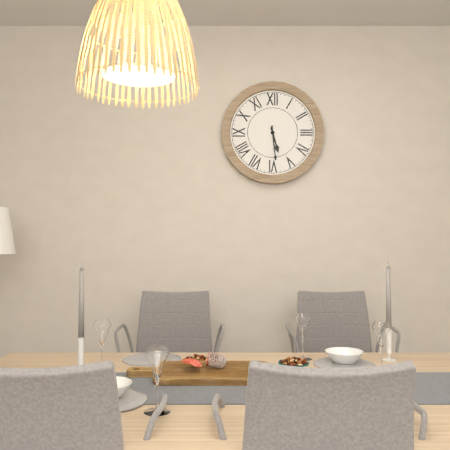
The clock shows 5.29
